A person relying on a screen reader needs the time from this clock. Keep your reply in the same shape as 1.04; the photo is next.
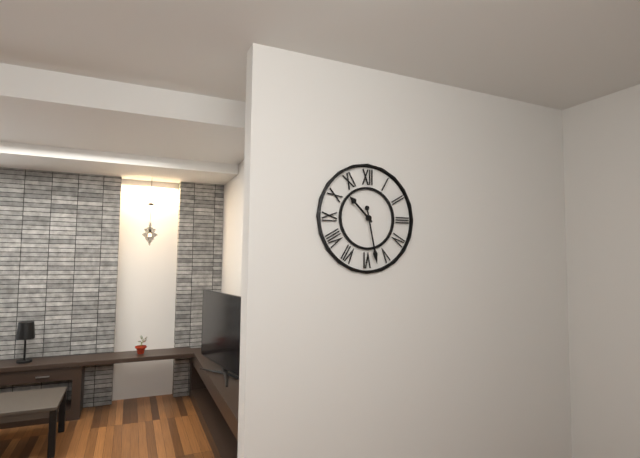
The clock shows 10.28
